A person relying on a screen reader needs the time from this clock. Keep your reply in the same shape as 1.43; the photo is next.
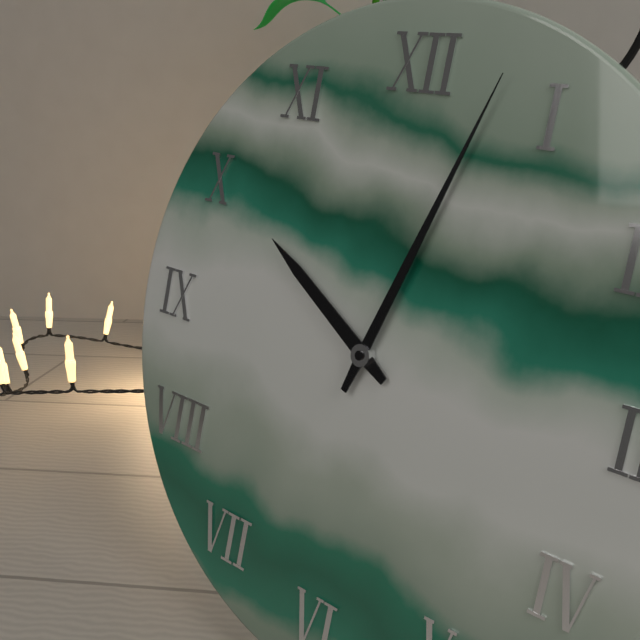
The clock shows 10.03
